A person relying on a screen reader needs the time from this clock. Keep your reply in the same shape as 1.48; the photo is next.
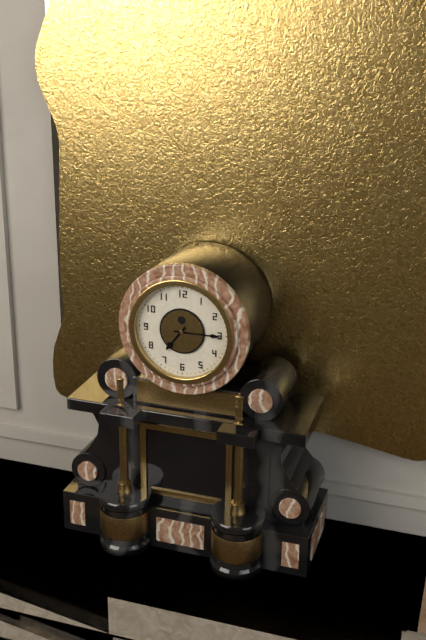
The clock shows 7.15
